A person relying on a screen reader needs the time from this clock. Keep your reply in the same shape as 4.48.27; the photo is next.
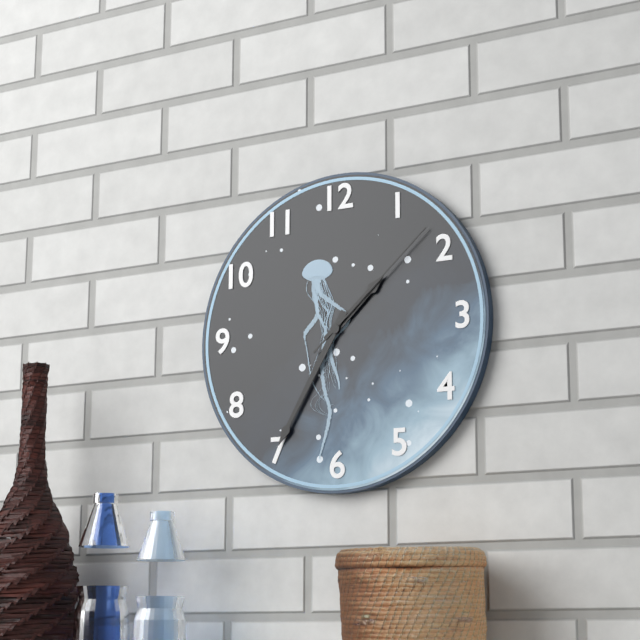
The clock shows 1.35.08
